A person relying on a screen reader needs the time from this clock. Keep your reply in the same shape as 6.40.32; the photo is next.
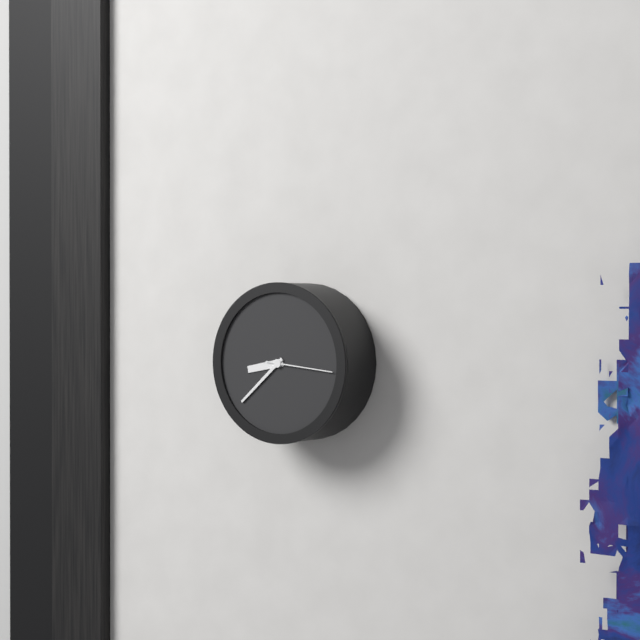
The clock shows 8.38.16
